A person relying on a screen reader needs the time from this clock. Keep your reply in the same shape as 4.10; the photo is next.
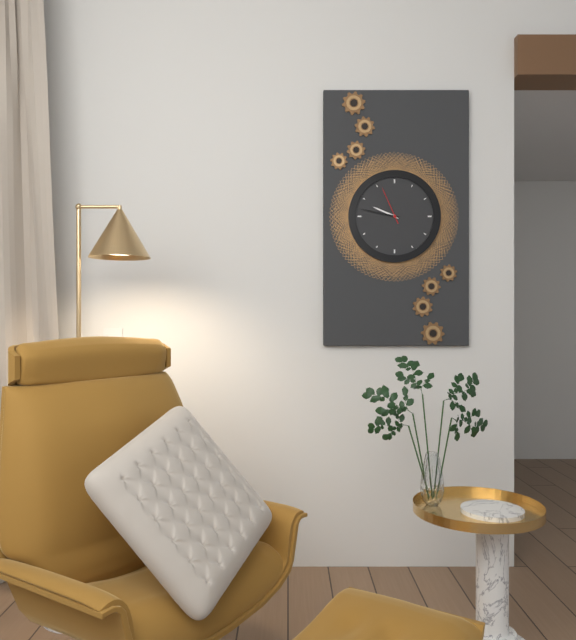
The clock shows 9.47
